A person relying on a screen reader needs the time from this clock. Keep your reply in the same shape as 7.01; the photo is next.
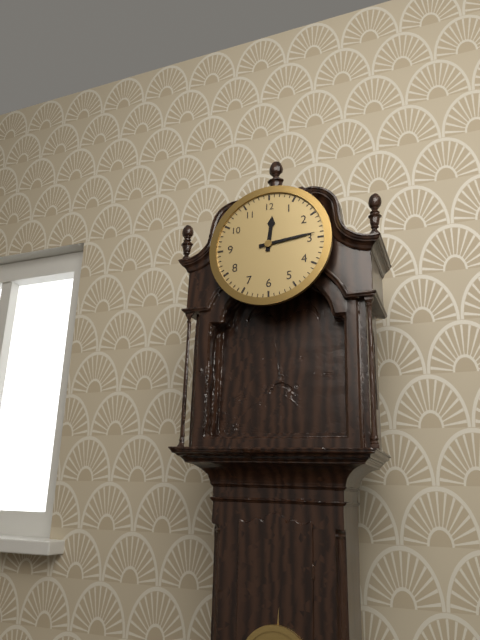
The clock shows 12.14
